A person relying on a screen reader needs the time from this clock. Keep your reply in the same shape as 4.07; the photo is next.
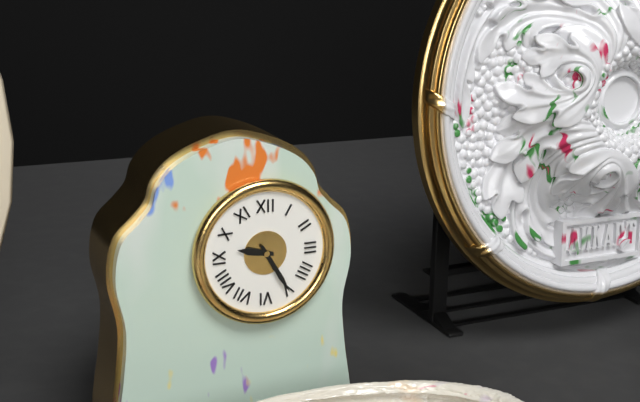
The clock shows 9.25
